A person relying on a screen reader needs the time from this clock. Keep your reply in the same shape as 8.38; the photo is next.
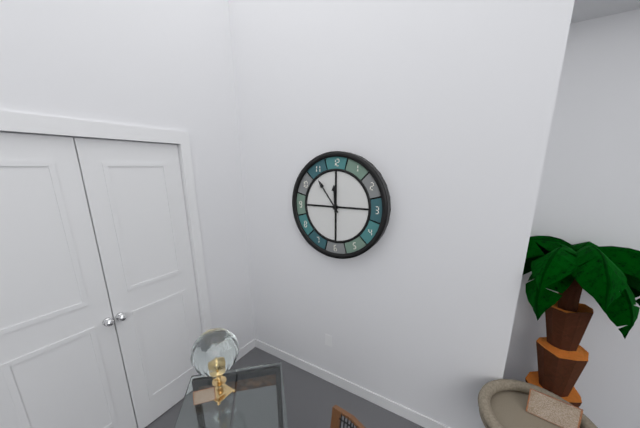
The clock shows 11.54
